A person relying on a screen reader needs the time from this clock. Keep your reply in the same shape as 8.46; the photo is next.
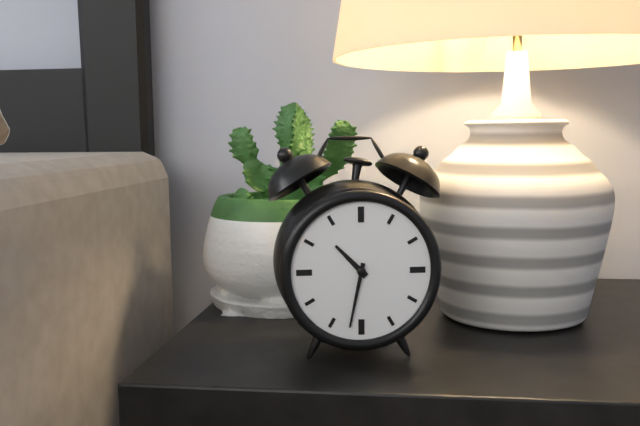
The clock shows 10.32
